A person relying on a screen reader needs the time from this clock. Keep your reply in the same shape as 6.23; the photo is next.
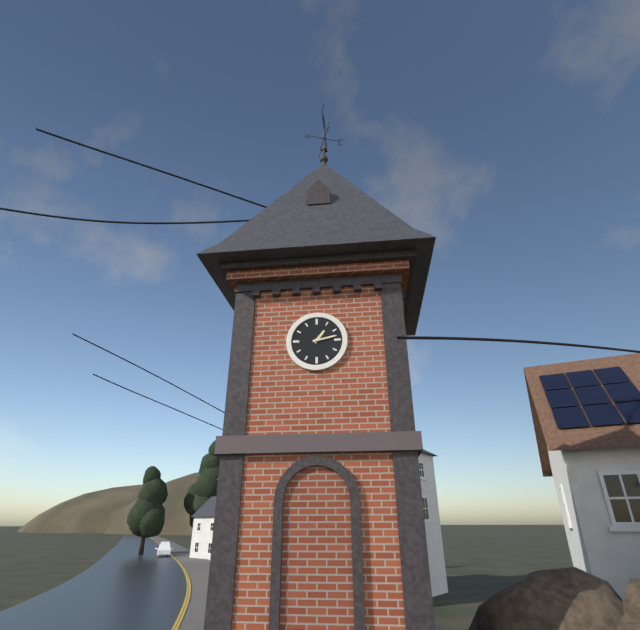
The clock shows 1.13
